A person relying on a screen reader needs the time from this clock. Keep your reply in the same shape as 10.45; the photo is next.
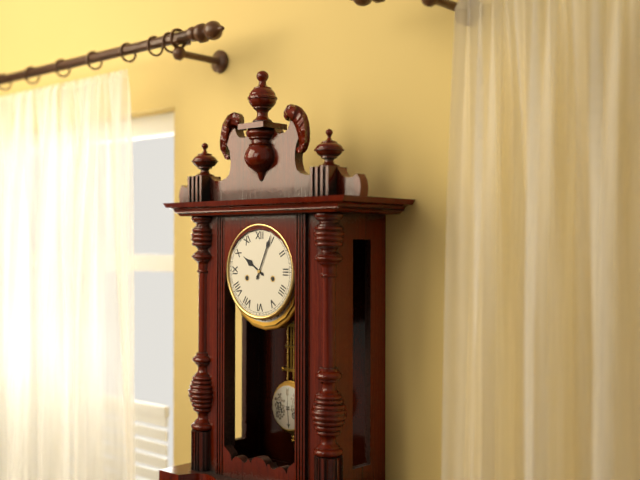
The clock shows 10.04
